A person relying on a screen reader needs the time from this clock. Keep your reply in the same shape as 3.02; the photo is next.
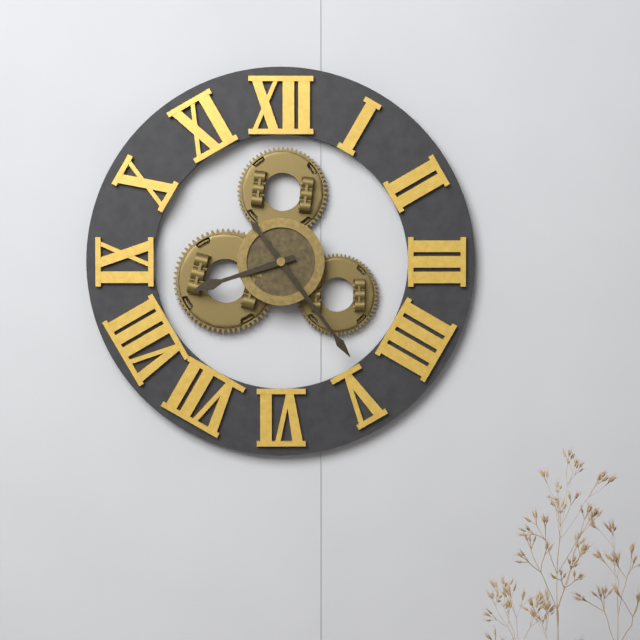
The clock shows 8.24
